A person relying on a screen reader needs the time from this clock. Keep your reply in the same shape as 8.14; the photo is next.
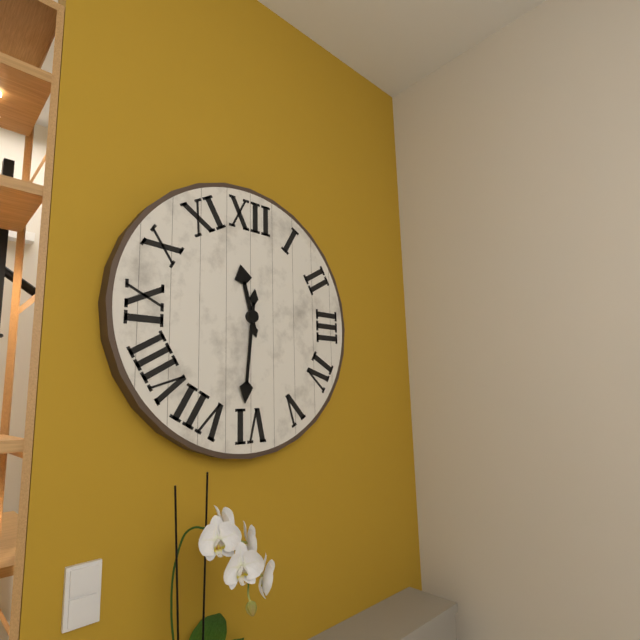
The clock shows 11.31
